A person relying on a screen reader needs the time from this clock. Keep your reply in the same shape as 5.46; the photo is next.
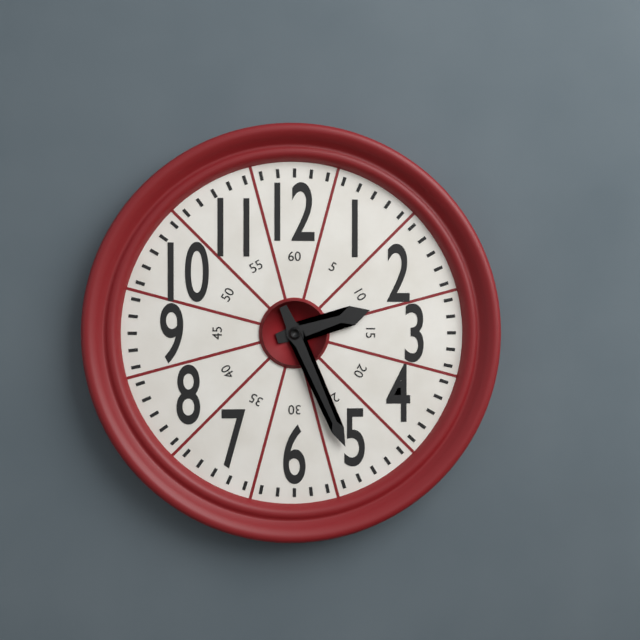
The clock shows 2.26
